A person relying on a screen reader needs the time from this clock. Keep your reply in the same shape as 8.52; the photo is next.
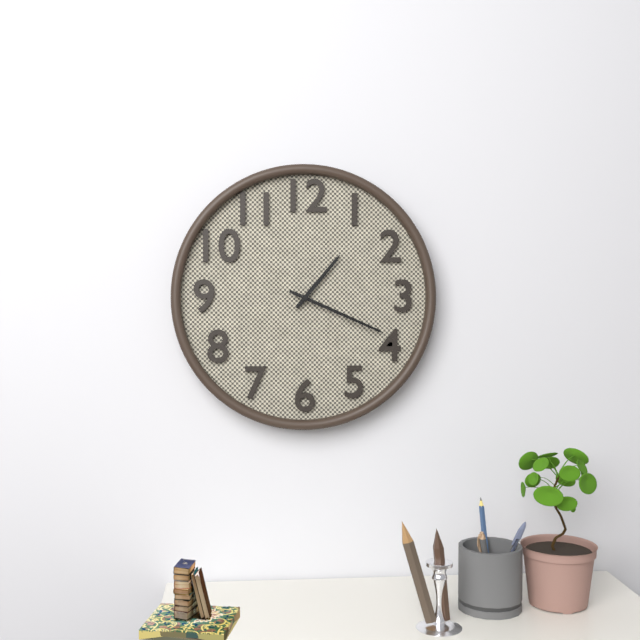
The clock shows 1.19
